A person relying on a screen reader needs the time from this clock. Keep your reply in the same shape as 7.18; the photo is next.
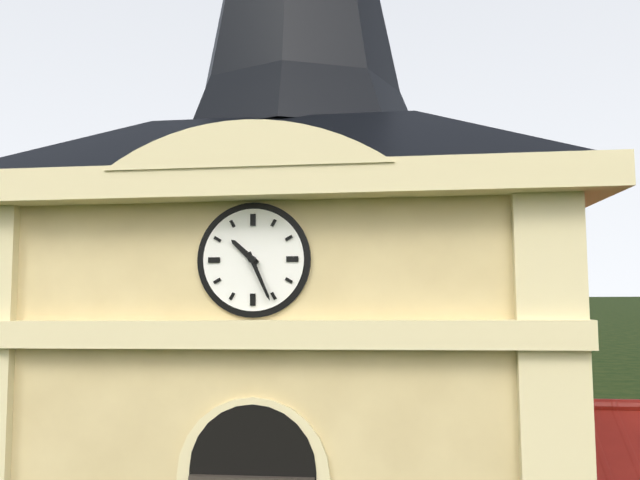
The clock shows 10.26
